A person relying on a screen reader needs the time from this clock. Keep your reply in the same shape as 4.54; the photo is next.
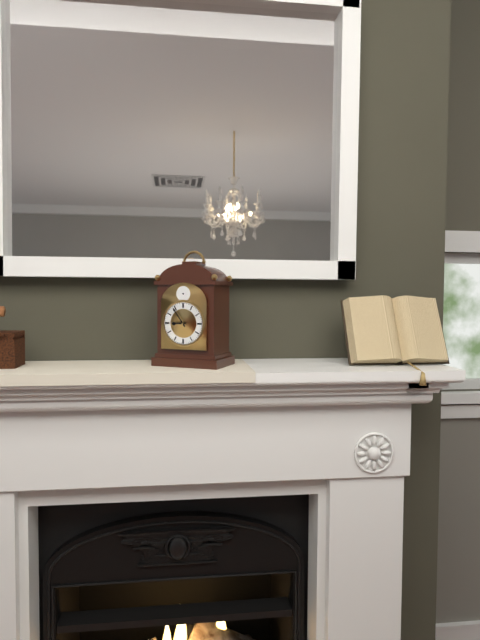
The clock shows 8.54
